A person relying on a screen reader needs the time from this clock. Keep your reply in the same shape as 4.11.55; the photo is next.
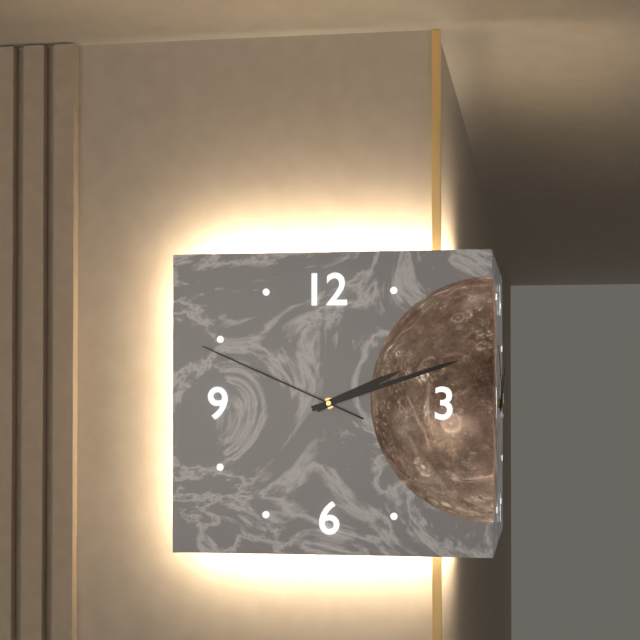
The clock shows 2.12.49
